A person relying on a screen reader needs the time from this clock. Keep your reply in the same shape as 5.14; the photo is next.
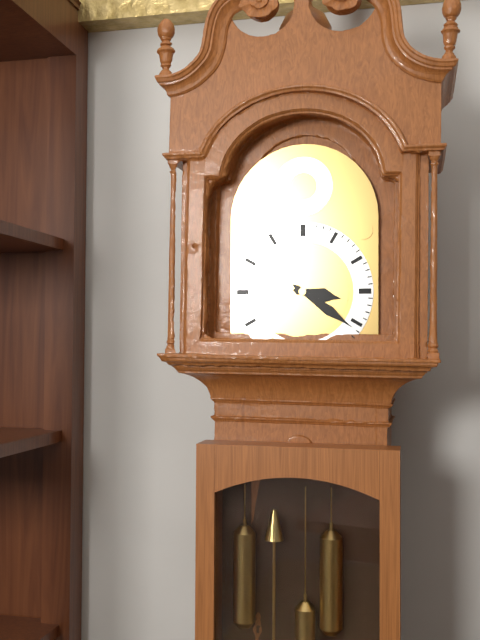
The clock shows 3.21
